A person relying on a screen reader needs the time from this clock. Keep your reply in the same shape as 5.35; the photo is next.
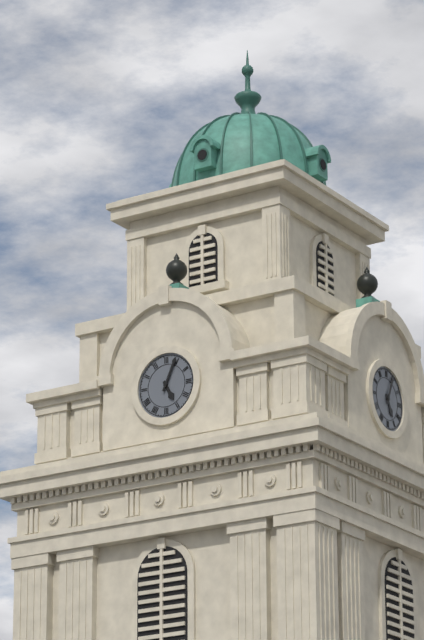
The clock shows 5.04
